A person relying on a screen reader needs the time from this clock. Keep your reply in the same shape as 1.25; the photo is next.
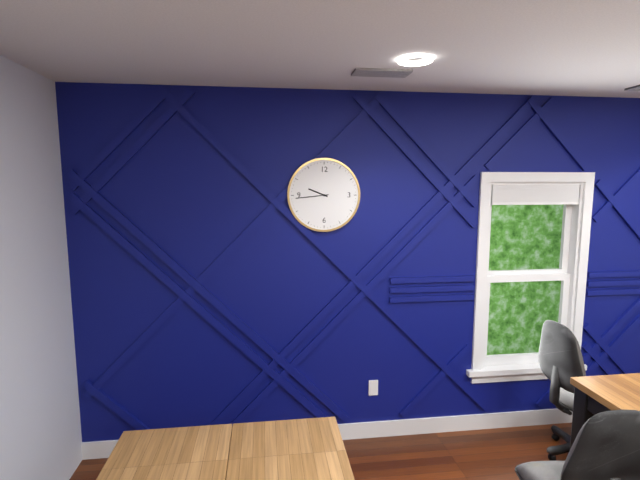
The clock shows 9.44
